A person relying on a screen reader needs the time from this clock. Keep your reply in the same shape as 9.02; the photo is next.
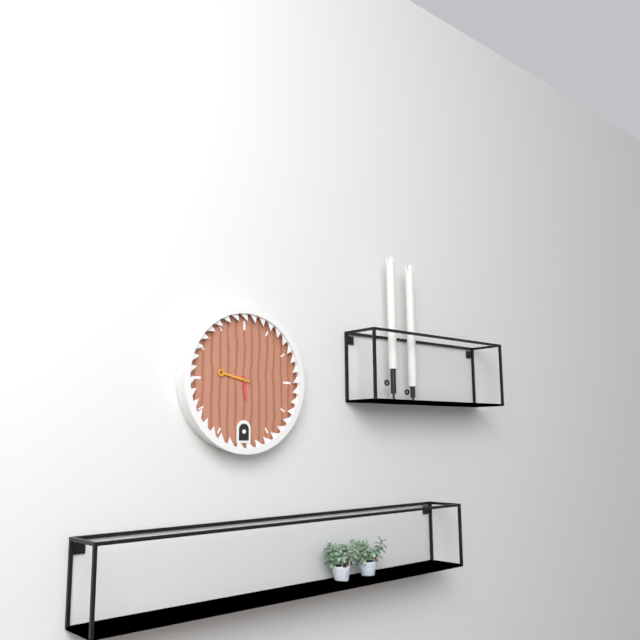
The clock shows 5.47
